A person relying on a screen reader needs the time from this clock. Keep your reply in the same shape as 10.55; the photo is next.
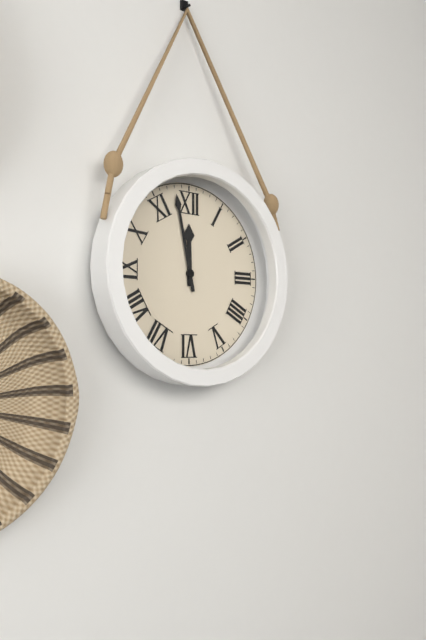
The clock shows 11.58
